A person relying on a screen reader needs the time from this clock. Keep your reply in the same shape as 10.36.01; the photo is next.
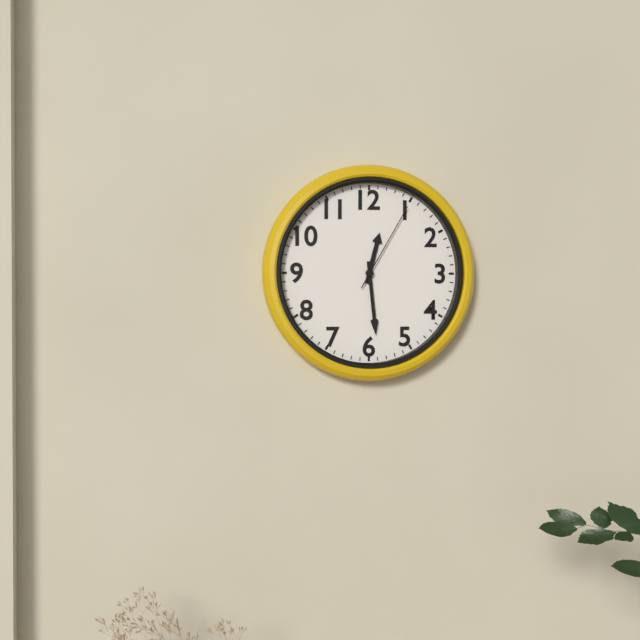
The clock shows 12.29.05
